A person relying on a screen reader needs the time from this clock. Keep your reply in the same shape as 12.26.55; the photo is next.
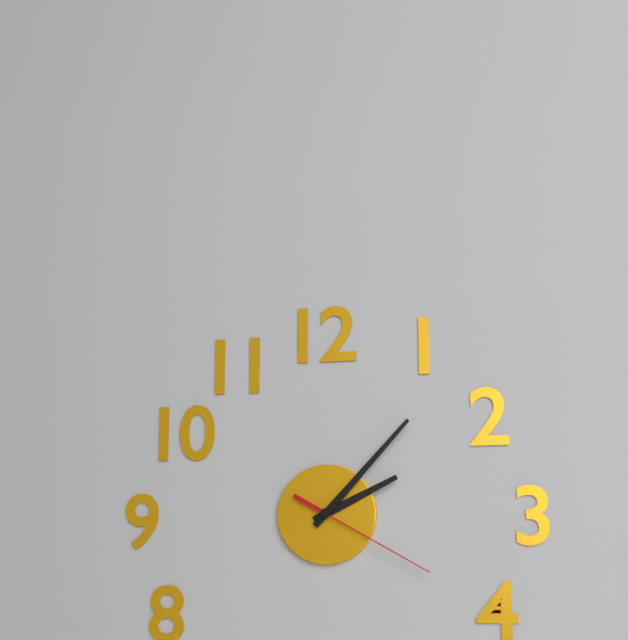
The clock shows 2.07.20
